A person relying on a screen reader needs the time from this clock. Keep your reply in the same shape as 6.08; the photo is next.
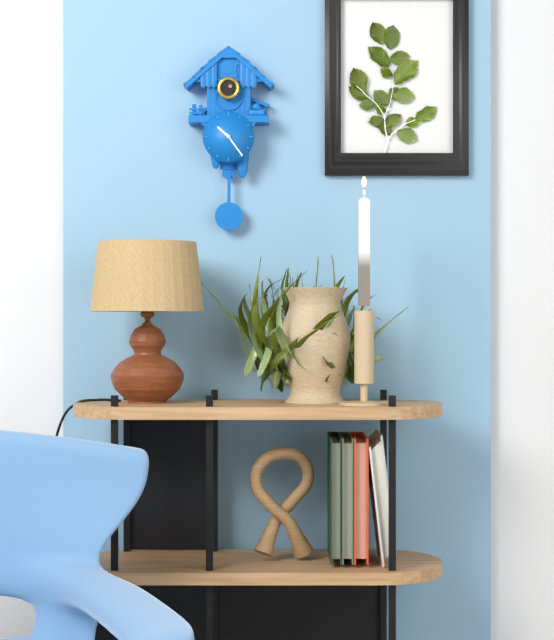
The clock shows 10.24
